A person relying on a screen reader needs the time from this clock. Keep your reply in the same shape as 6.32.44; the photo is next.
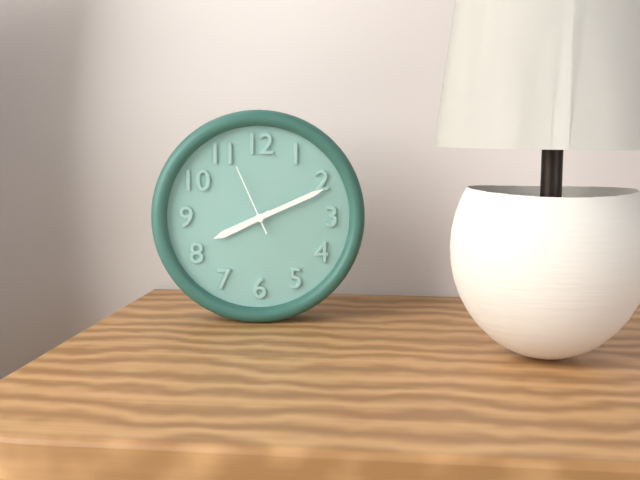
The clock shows 8.11.56
